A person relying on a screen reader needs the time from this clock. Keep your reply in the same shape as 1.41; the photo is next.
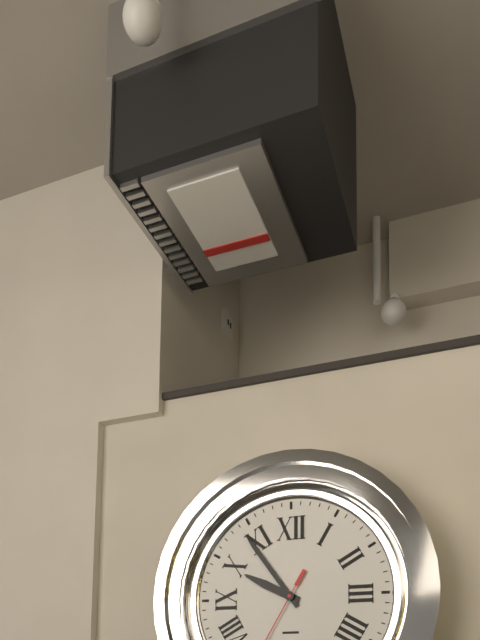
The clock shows 9.54
